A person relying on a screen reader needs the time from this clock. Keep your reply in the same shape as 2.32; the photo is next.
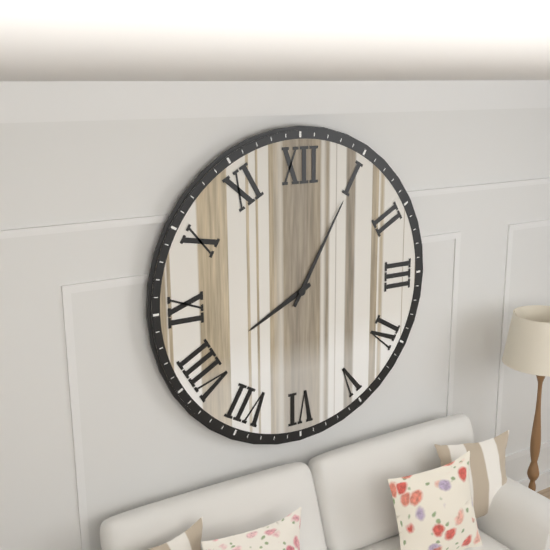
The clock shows 8.05
